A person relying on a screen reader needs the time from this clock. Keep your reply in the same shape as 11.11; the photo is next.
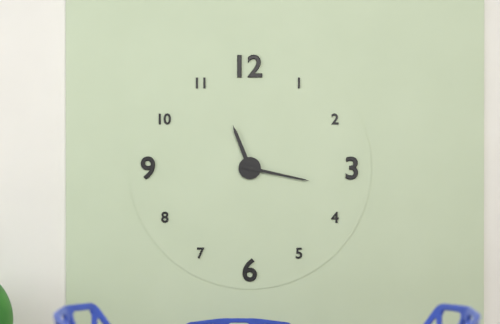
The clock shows 11.17
